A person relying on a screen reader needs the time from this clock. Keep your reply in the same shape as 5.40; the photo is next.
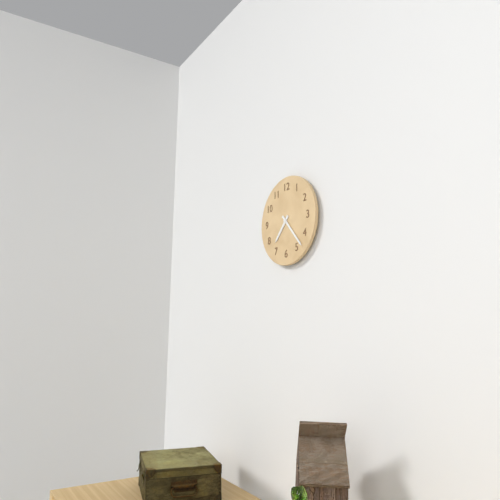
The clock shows 7.23
